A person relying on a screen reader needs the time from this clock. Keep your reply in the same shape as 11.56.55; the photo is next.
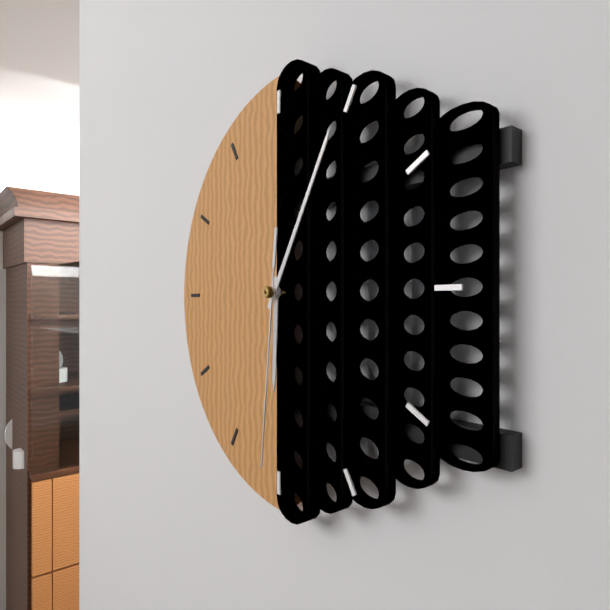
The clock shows 6.05.31
